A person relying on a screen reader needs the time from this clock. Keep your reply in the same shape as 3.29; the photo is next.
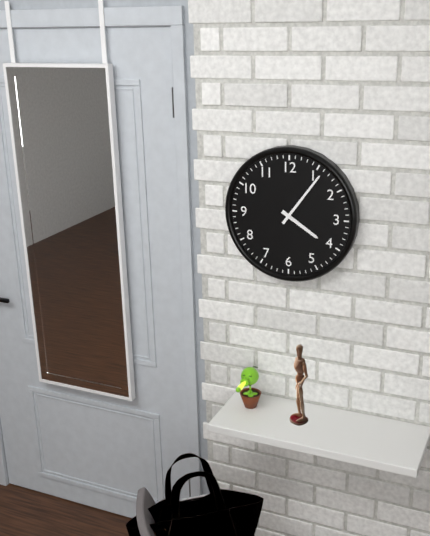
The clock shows 4.06
